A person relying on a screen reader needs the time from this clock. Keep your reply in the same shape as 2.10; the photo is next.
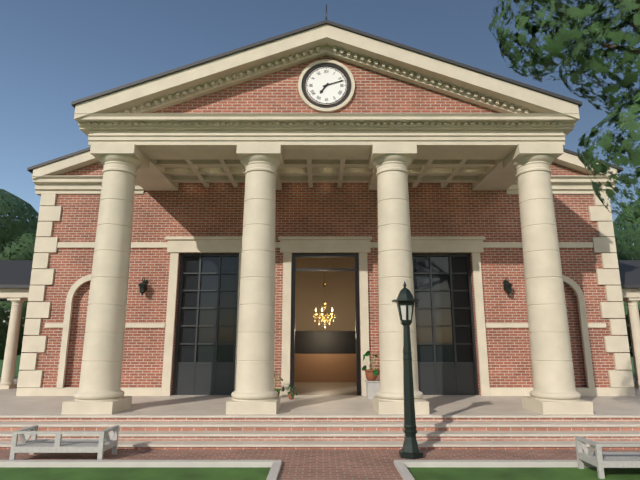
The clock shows 7.12
